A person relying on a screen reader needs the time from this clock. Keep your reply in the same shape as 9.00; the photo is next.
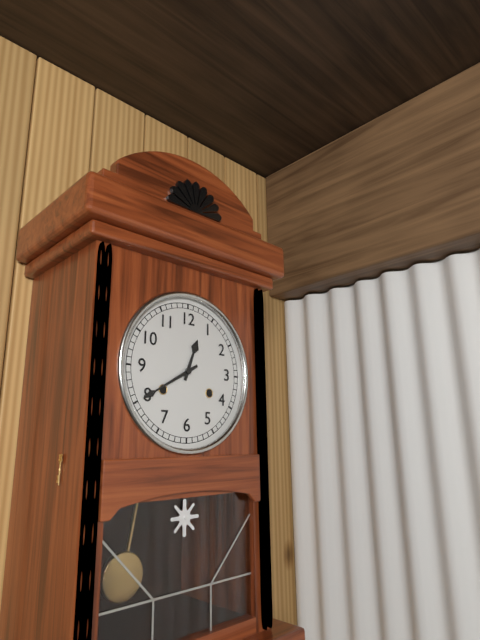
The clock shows 12.40
